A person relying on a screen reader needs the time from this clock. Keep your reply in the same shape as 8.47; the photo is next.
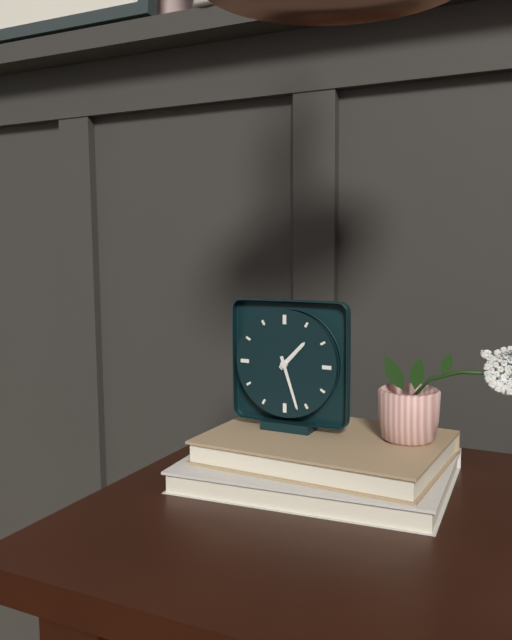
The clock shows 1.27
